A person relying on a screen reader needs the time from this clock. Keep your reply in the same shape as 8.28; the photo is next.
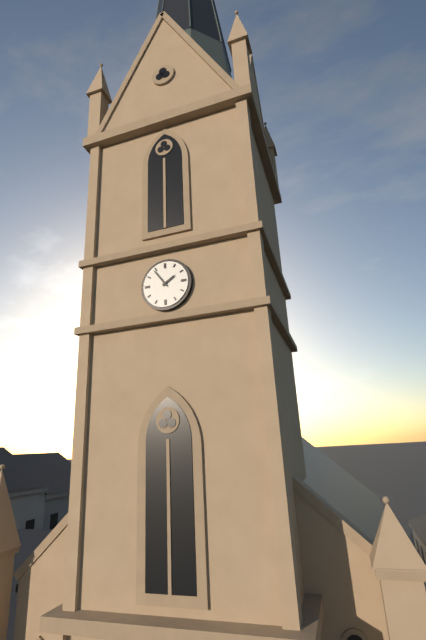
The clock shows 1.54
